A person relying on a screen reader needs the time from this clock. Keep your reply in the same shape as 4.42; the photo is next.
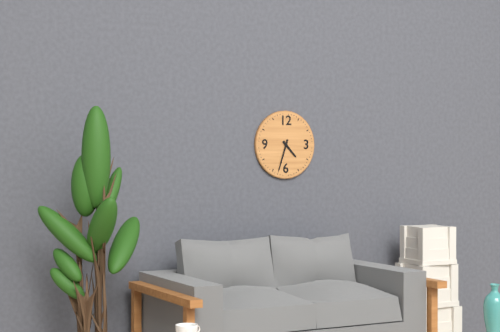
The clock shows 4.33
